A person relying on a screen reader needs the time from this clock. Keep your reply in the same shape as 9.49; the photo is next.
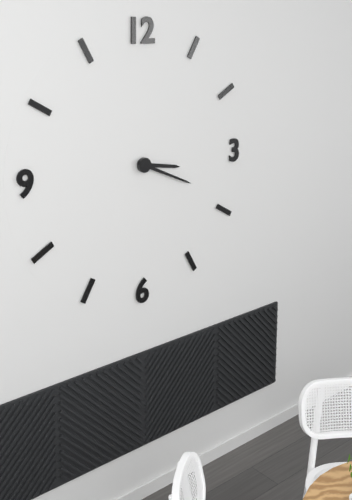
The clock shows 3.19
